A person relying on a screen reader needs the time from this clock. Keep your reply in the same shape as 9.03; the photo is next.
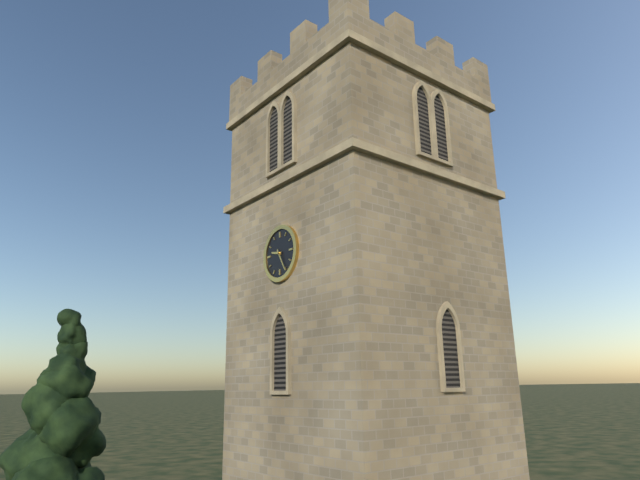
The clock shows 9.25
